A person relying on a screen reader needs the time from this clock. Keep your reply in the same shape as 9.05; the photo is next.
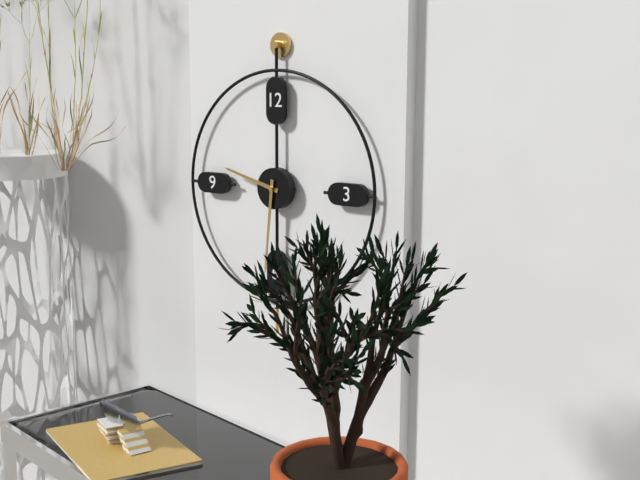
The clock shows 9.31
